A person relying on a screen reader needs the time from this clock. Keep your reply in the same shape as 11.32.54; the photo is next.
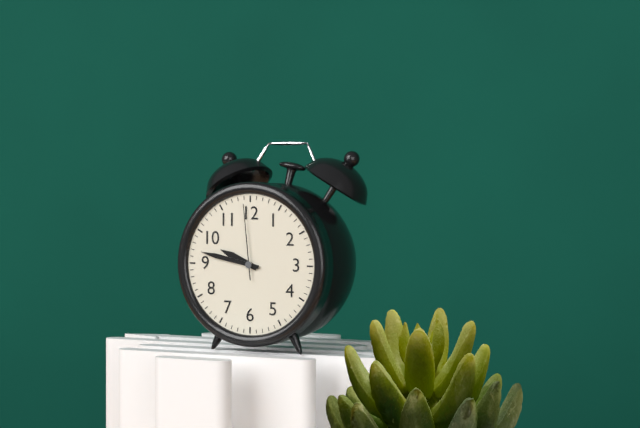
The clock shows 9.47.59
